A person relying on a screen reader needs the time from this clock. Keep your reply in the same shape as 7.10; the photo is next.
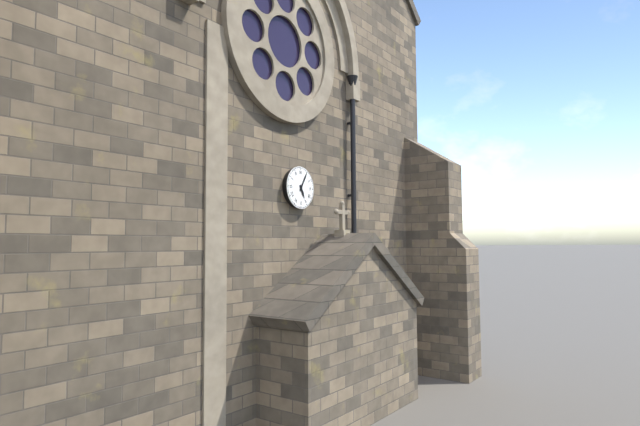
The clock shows 5.05
